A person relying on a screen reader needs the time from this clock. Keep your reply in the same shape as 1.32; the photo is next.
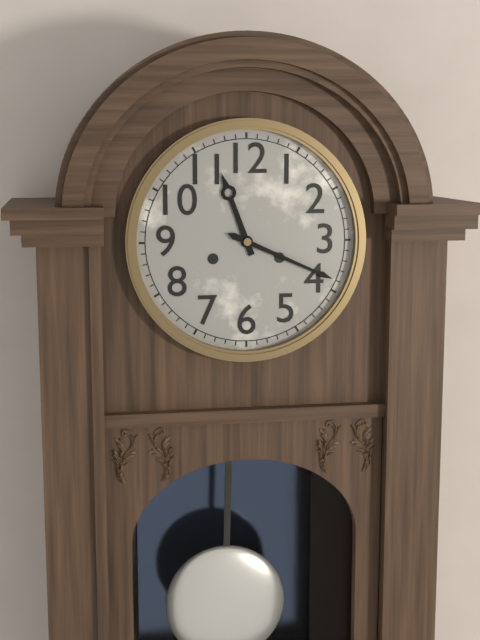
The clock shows 11.19
